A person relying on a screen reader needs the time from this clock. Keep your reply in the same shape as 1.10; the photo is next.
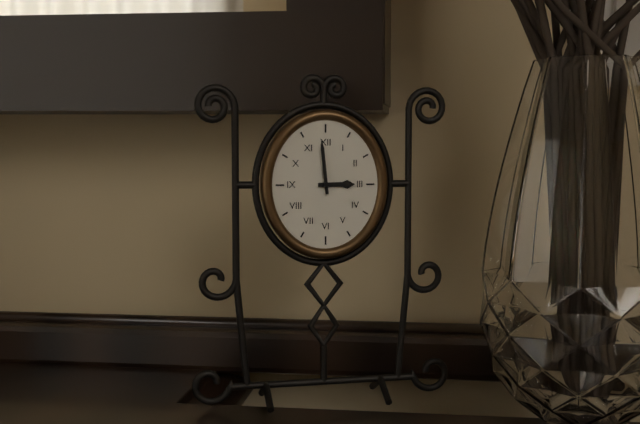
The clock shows 2.59
